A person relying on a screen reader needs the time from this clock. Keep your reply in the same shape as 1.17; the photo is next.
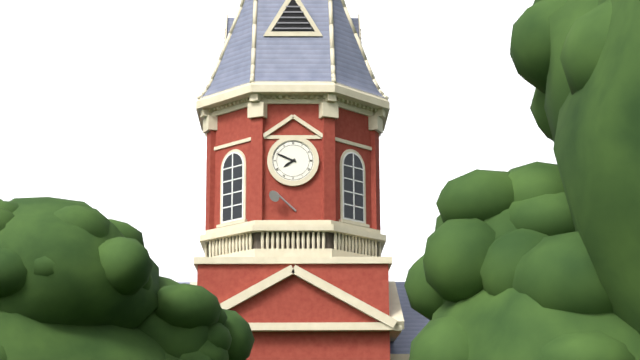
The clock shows 7.49
